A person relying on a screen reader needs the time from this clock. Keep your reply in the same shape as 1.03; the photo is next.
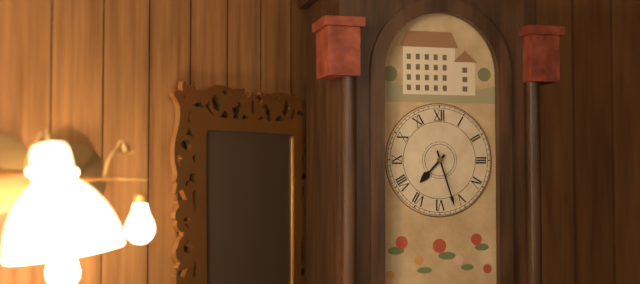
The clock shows 7.27
